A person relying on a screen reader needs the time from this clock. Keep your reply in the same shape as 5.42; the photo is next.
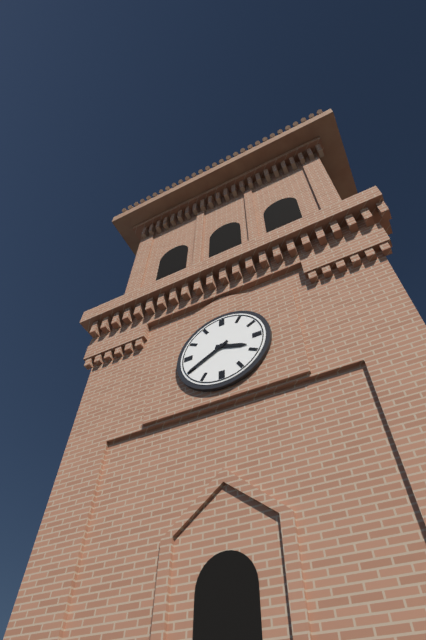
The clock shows 3.40
